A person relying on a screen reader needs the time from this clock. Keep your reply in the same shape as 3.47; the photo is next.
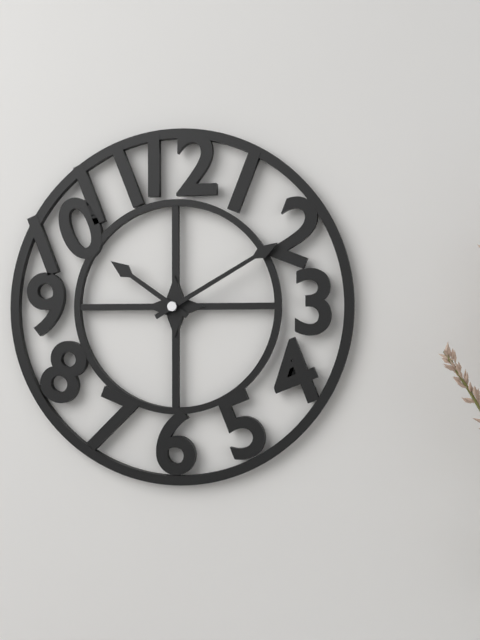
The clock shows 10.10
